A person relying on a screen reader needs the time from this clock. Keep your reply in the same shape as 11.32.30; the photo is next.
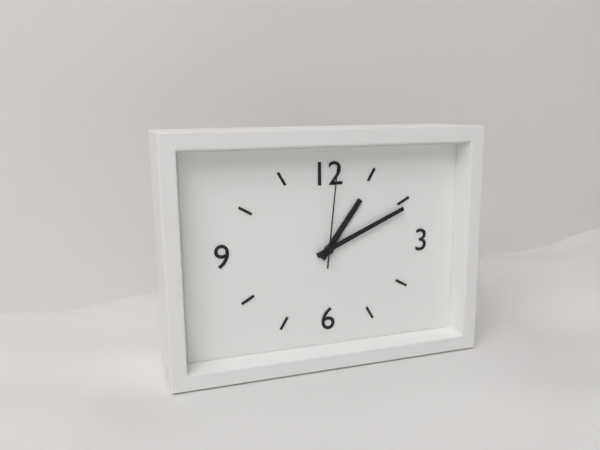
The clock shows 1.11.01
